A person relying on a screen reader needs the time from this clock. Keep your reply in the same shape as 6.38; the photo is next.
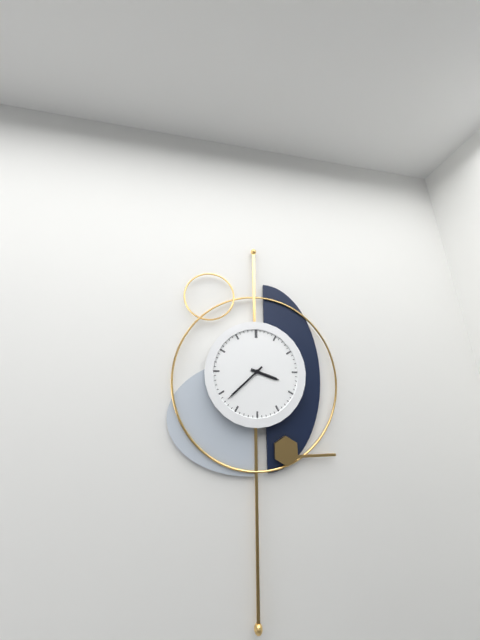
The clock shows 3.38
